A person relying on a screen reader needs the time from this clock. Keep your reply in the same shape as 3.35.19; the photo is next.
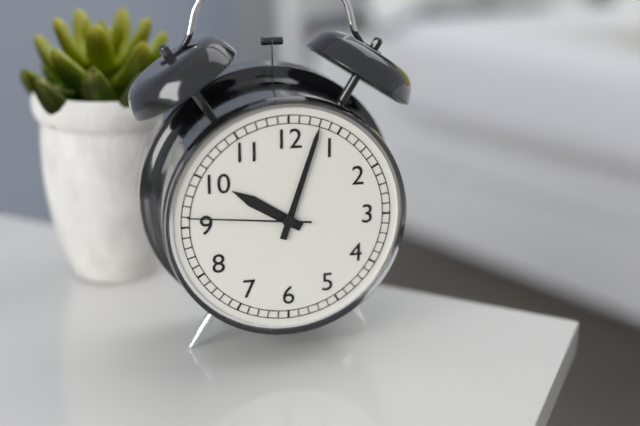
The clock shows 10.03.46
